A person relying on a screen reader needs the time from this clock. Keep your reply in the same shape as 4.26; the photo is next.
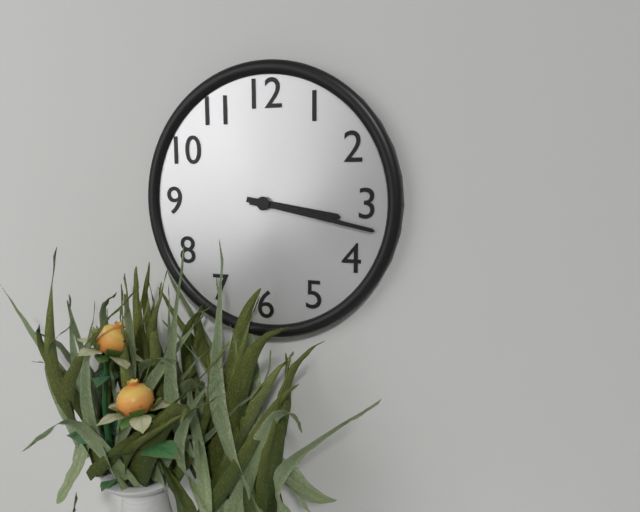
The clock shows 3.17
